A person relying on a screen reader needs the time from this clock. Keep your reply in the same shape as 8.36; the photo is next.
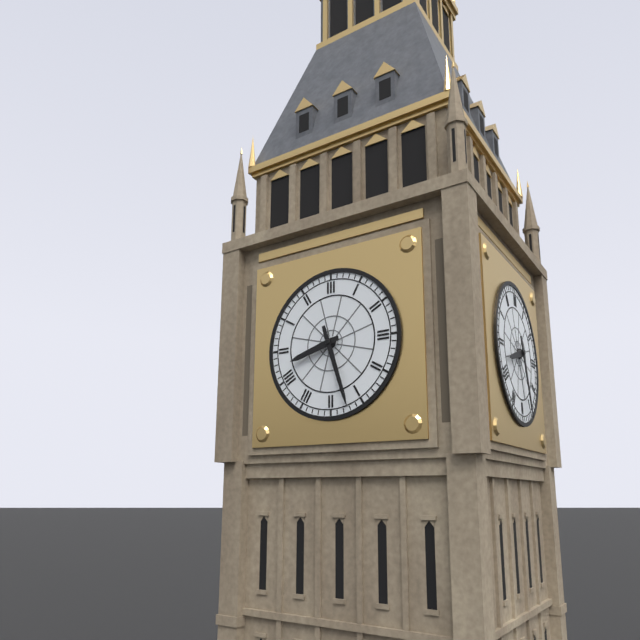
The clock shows 8.27
